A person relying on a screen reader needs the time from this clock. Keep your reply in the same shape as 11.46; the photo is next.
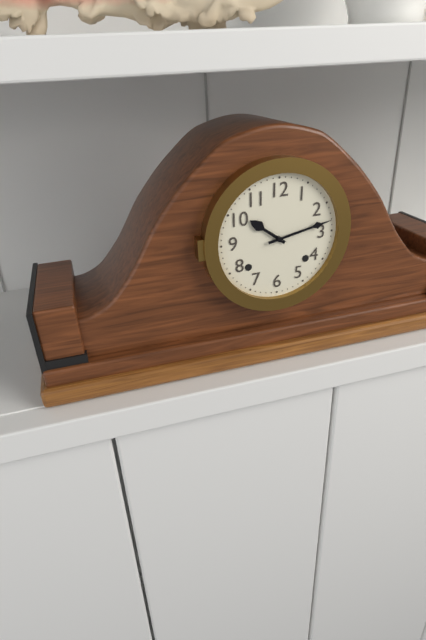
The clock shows 10.13
